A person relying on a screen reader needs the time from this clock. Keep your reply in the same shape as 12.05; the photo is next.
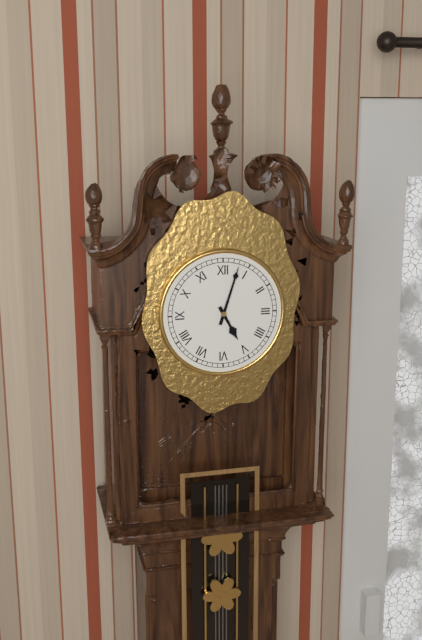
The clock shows 5.03
